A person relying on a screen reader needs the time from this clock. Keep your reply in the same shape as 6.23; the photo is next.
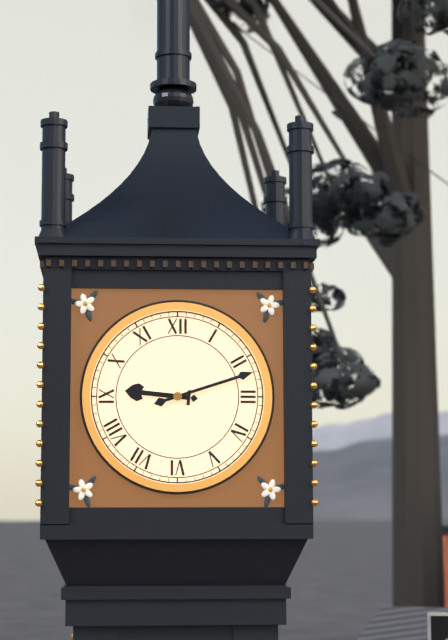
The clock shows 9.12
